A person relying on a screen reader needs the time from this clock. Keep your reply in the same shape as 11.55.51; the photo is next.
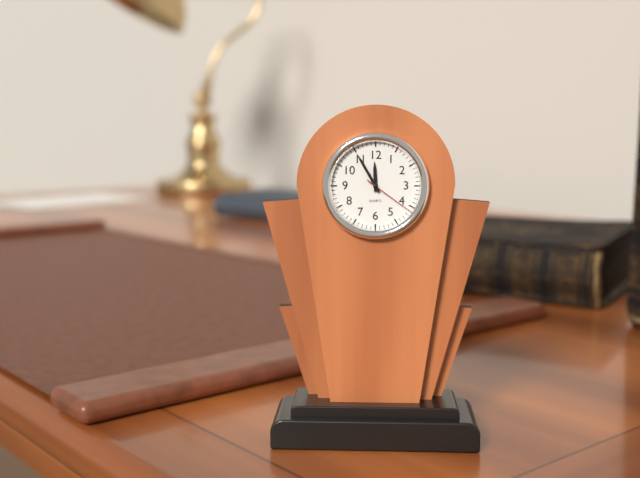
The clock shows 11.55.21
